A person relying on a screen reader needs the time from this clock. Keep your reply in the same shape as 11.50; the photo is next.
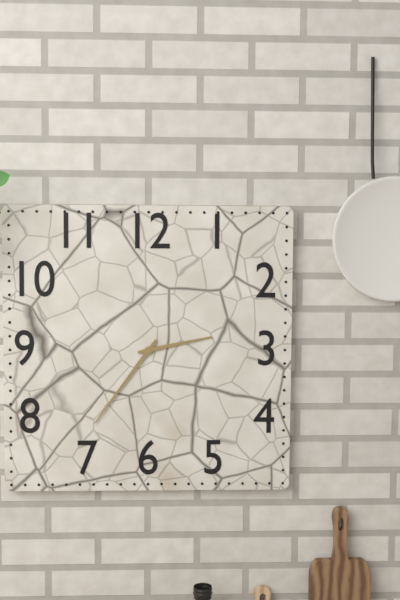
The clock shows 2.36
